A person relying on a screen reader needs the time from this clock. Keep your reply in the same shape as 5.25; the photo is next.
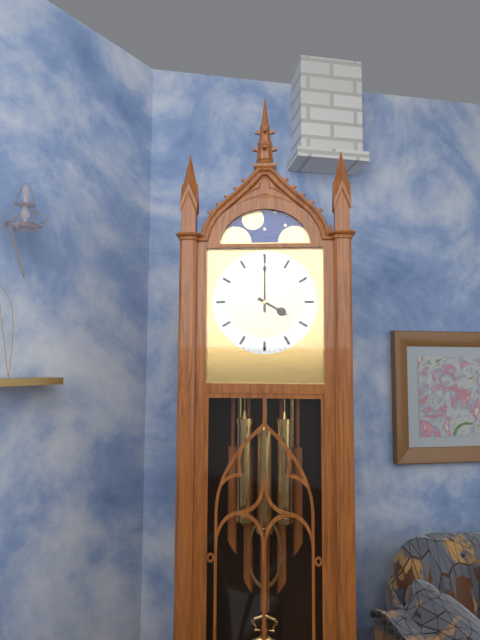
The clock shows 4.00
